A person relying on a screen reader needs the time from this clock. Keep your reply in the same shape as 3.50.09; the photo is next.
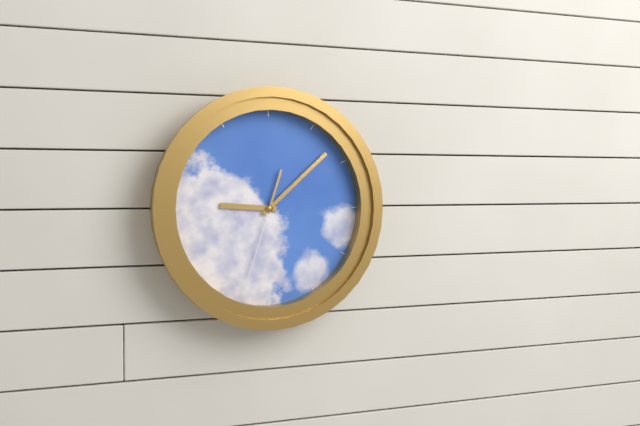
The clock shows 9.08.33
